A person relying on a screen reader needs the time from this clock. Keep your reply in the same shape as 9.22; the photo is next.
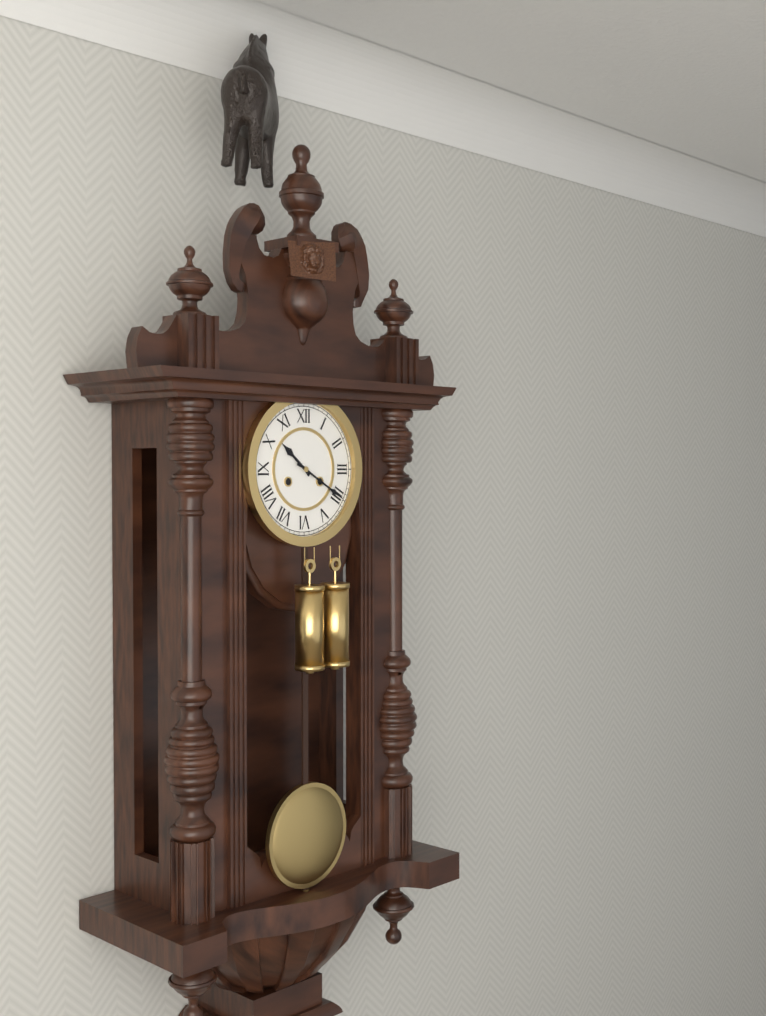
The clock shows 10.20
